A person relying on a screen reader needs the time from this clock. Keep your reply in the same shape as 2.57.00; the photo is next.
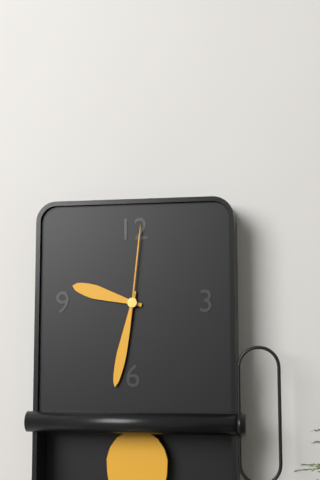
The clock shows 9.32.01
